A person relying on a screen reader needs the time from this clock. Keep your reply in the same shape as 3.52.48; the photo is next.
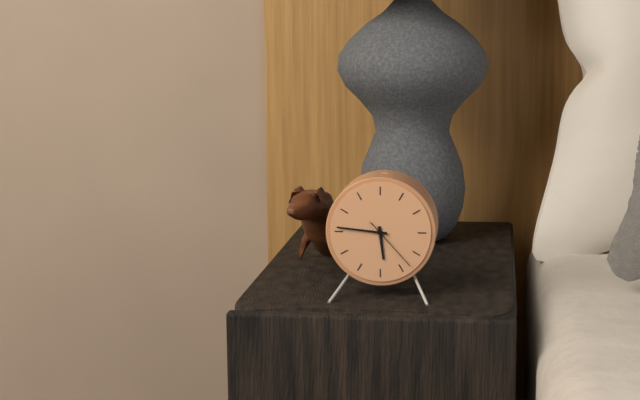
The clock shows 5.46.23
